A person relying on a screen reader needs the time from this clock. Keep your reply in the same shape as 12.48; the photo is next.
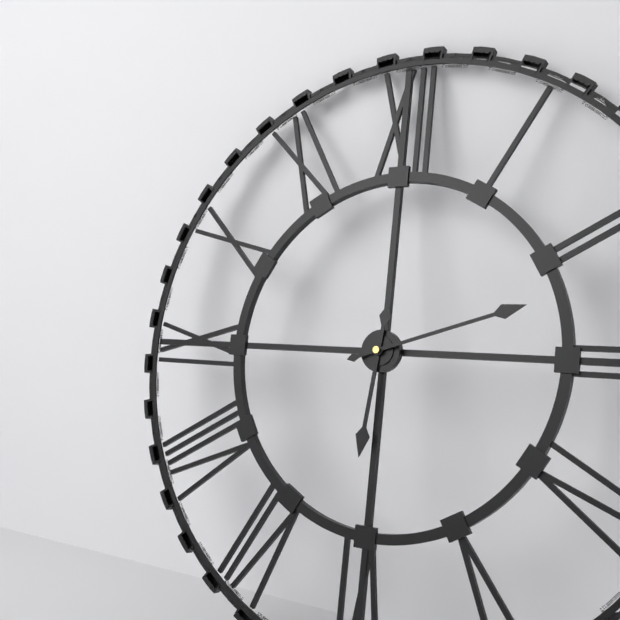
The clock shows 6.12
